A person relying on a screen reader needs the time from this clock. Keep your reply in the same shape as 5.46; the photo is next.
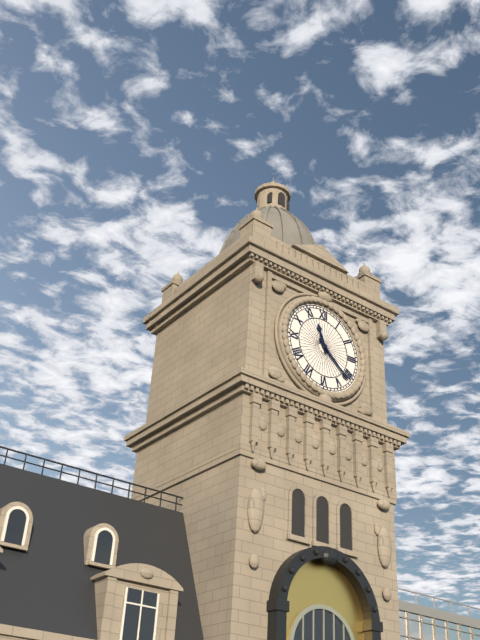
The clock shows 11.22
